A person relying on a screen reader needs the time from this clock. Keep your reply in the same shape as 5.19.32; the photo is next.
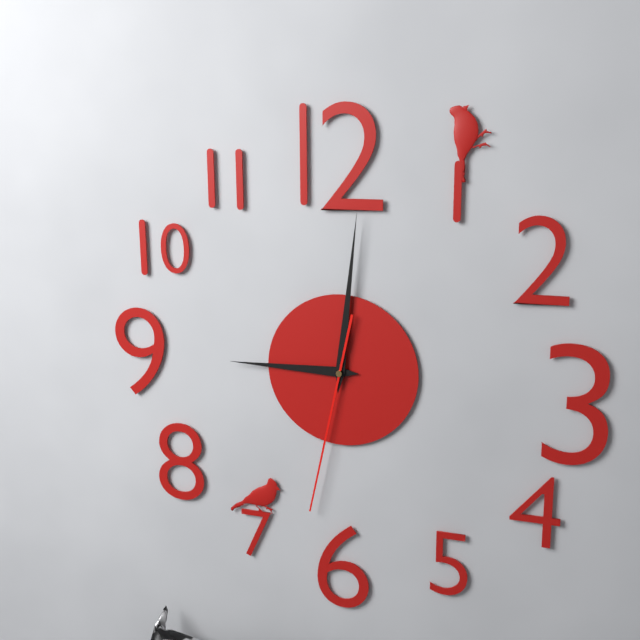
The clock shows 9.01.32
